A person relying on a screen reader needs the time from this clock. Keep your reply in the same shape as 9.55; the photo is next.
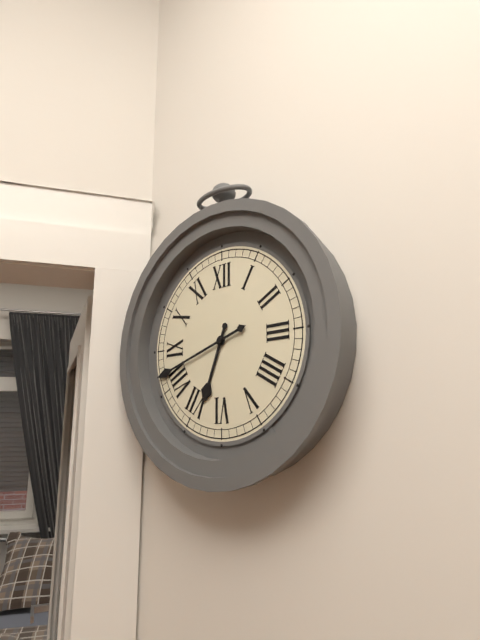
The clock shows 6.42
